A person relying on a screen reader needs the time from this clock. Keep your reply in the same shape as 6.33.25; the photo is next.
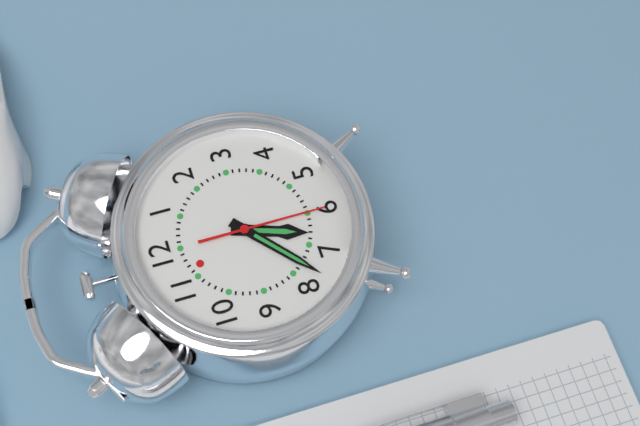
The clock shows 6.38.30
